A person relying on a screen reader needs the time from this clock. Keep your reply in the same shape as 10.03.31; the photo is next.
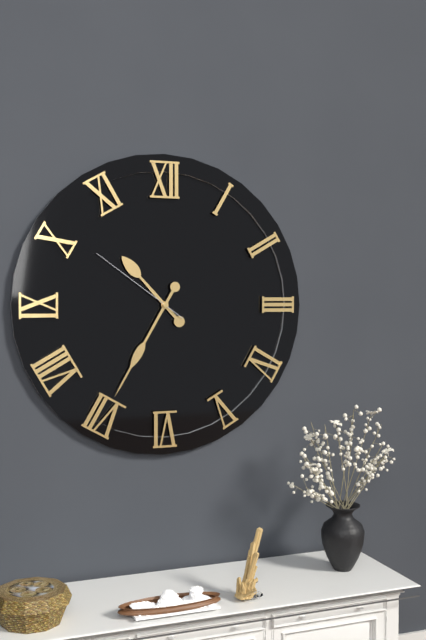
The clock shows 10.35.51
